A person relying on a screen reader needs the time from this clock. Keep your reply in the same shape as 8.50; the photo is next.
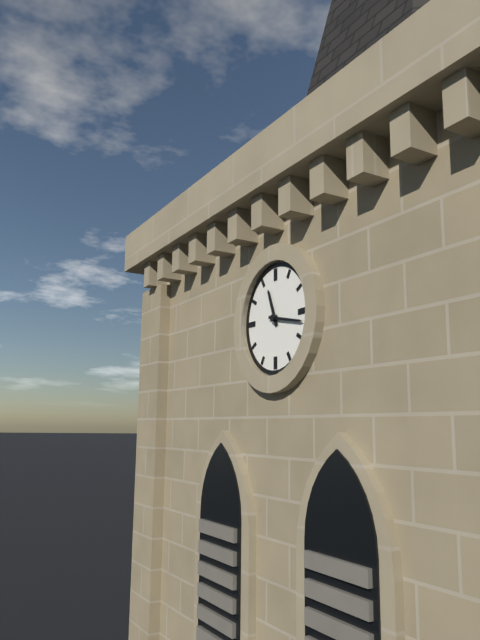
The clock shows 11.17
